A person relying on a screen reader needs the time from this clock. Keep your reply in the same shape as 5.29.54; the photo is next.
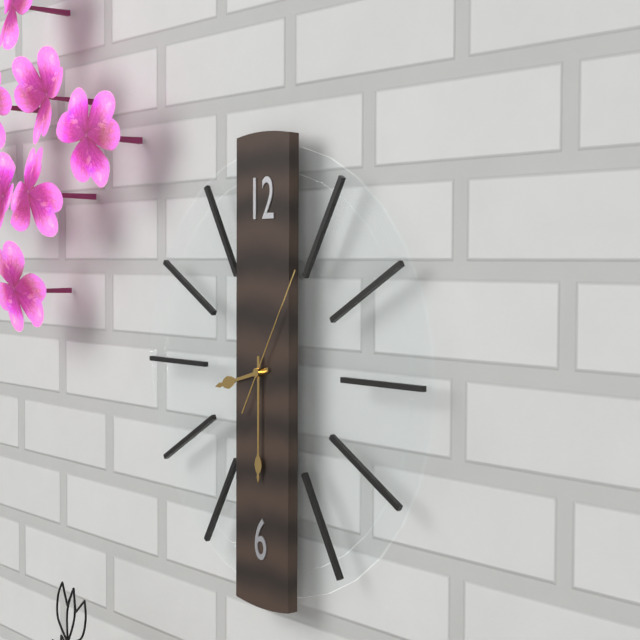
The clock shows 8.30.05
